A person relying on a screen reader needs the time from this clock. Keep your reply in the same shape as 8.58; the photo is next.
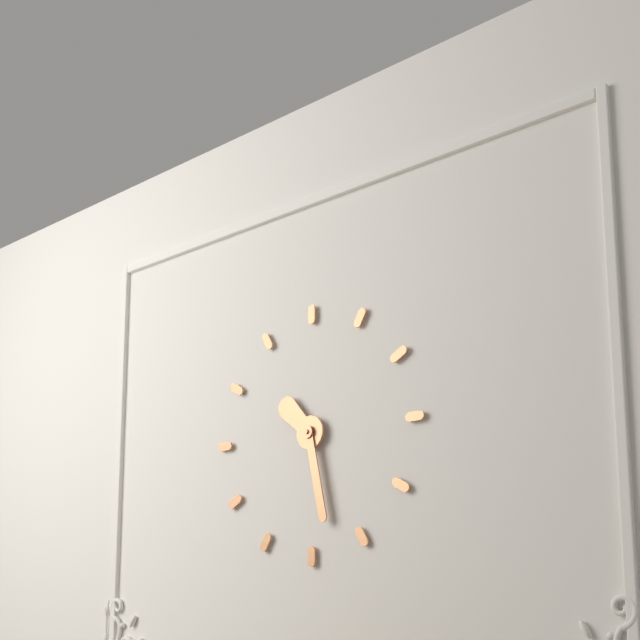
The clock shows 10.28
